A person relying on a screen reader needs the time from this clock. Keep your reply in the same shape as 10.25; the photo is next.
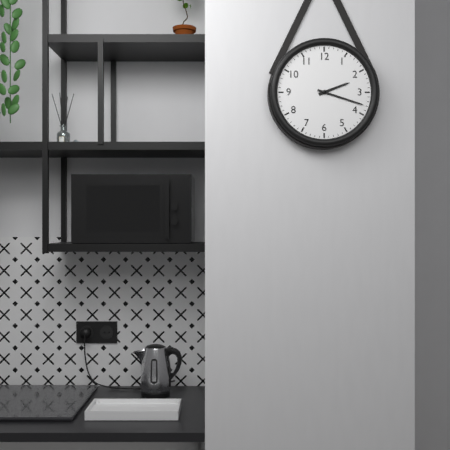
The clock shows 2.18
